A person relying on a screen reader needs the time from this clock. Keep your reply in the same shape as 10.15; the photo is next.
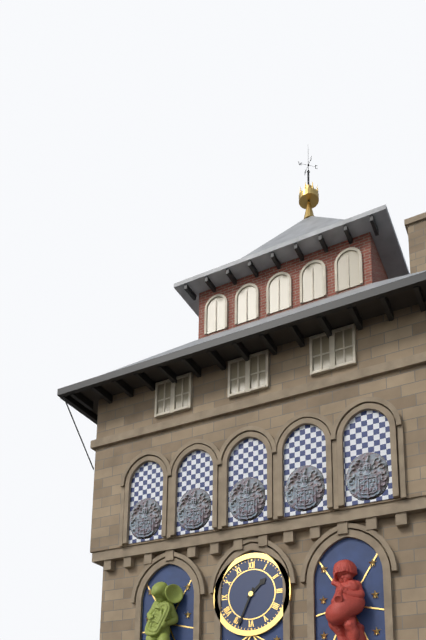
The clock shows 1.34
